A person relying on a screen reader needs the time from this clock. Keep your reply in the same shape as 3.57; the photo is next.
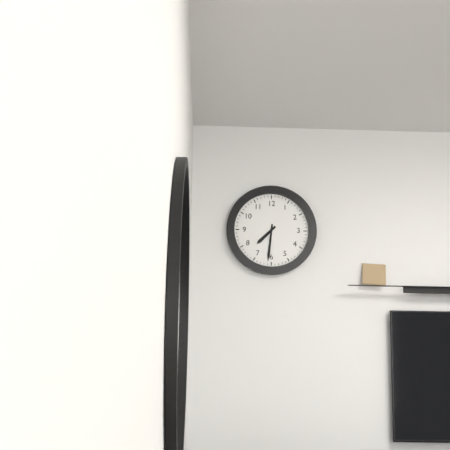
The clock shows 7.31
